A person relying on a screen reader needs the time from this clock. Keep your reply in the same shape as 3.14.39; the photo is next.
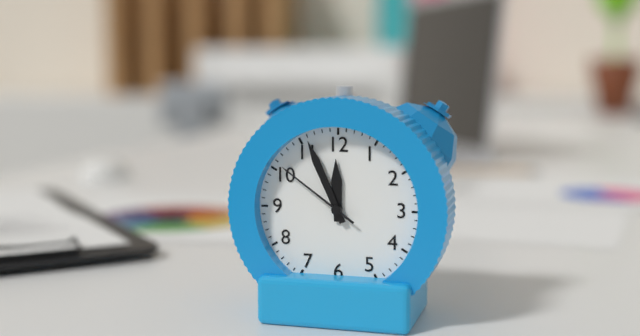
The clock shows 11.56.51
